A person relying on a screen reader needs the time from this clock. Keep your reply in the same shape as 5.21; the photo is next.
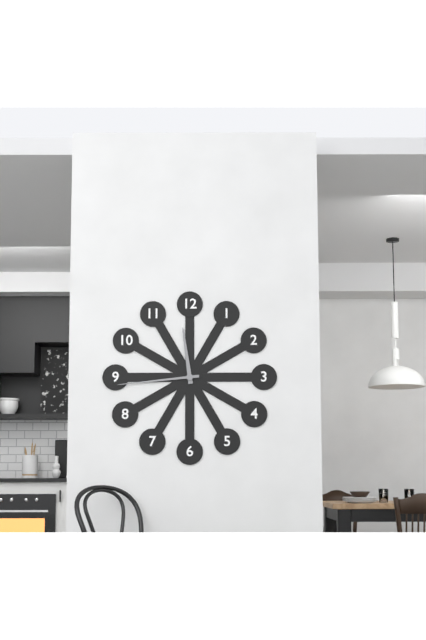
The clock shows 11.44
